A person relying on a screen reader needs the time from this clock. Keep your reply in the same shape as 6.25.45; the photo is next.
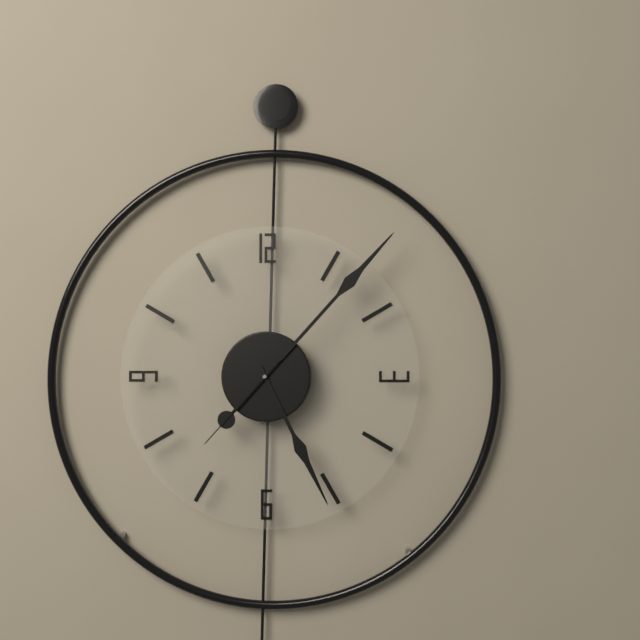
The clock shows 5.07.37
